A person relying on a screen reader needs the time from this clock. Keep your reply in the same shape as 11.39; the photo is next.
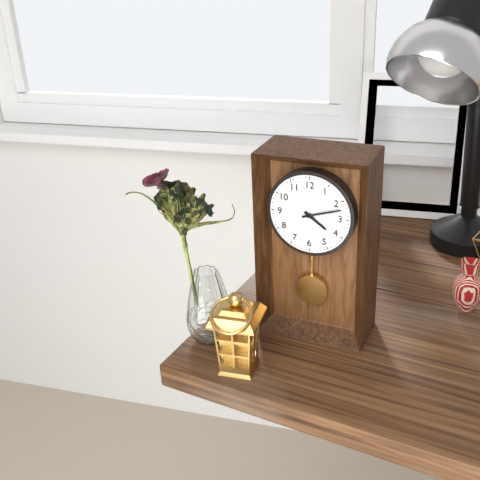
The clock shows 4.12
